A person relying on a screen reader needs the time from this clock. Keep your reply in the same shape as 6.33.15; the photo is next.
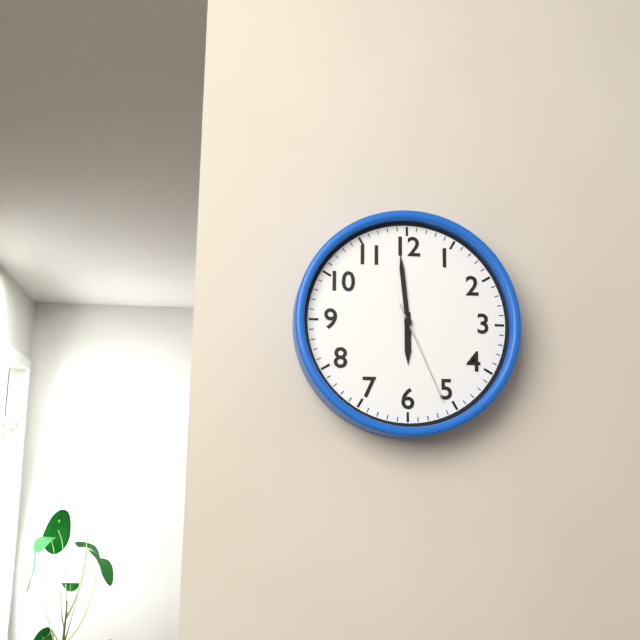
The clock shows 5.59.26
